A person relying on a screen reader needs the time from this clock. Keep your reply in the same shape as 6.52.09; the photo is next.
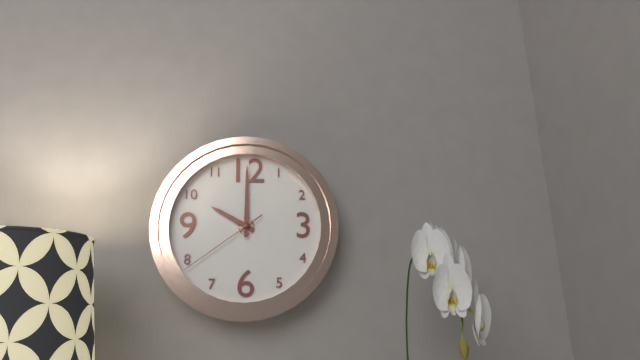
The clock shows 10.00.39
